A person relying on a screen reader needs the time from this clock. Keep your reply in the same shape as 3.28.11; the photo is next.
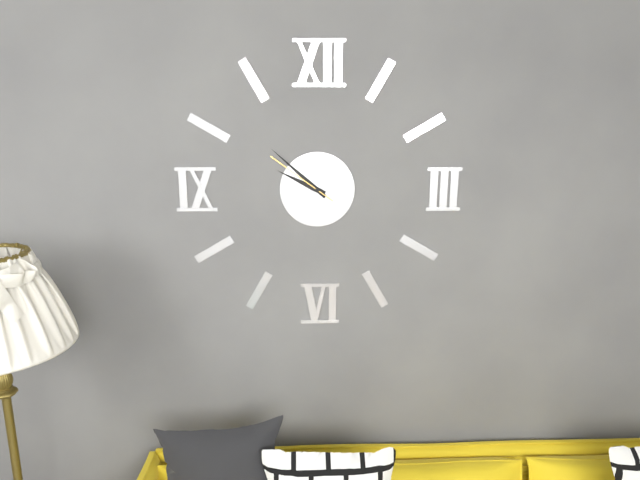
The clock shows 9.52.51
